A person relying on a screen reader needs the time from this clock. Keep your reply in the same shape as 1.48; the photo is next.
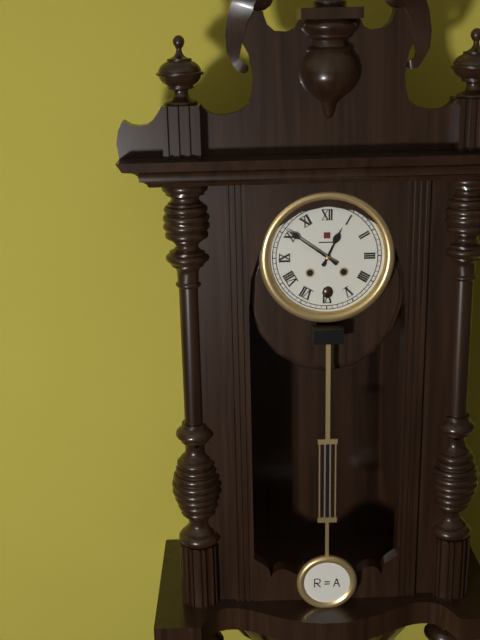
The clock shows 12.51
